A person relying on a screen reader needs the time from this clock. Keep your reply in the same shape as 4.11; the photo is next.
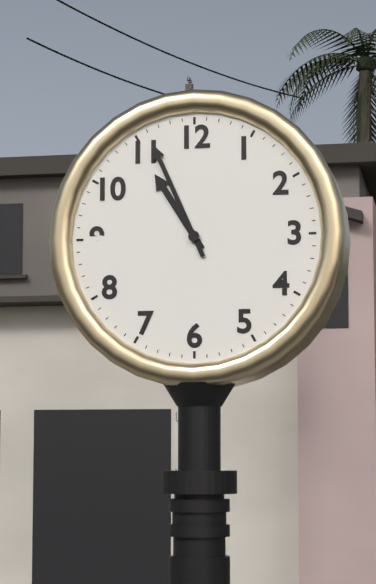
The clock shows 10.56
